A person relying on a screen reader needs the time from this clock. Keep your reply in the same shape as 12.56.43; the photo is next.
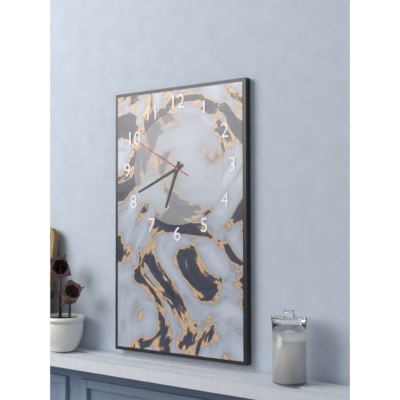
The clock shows 6.41.50
